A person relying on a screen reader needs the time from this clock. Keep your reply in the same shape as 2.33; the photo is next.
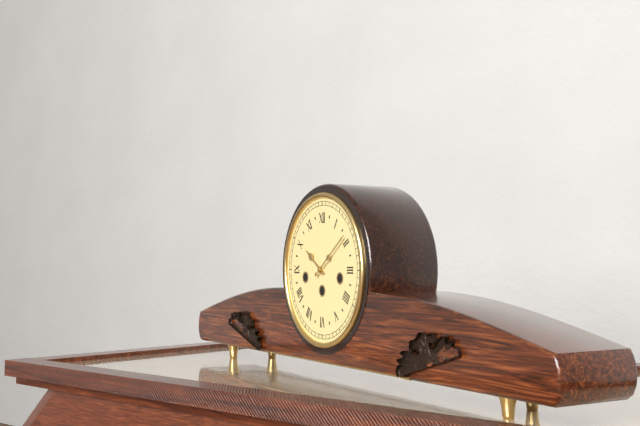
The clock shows 10.09
